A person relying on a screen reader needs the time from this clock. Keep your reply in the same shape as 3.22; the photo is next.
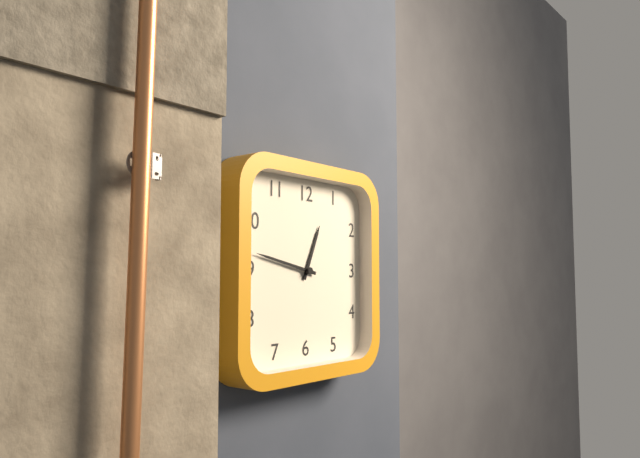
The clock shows 12.47
